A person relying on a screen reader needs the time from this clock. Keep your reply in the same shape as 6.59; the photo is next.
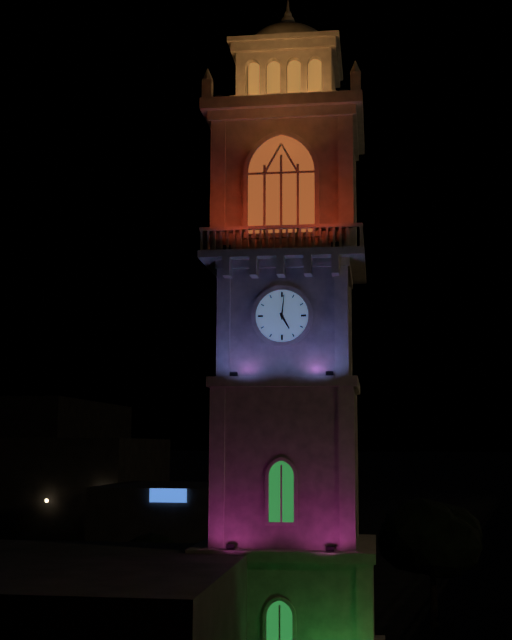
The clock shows 5.01
